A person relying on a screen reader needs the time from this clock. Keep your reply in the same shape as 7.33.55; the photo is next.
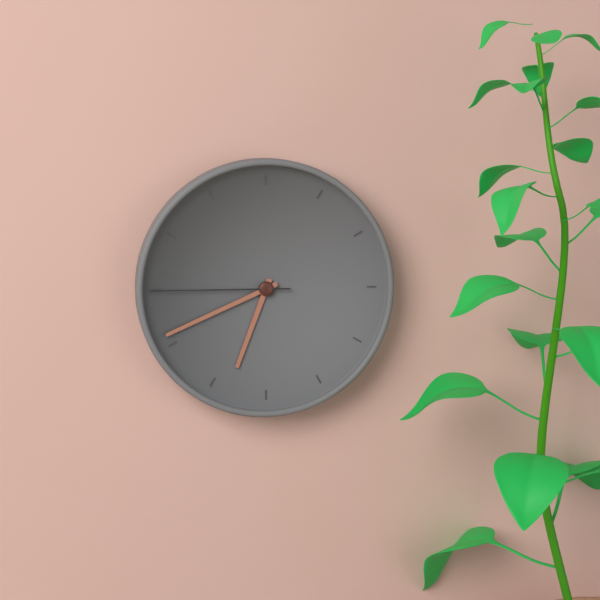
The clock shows 6.41.45
